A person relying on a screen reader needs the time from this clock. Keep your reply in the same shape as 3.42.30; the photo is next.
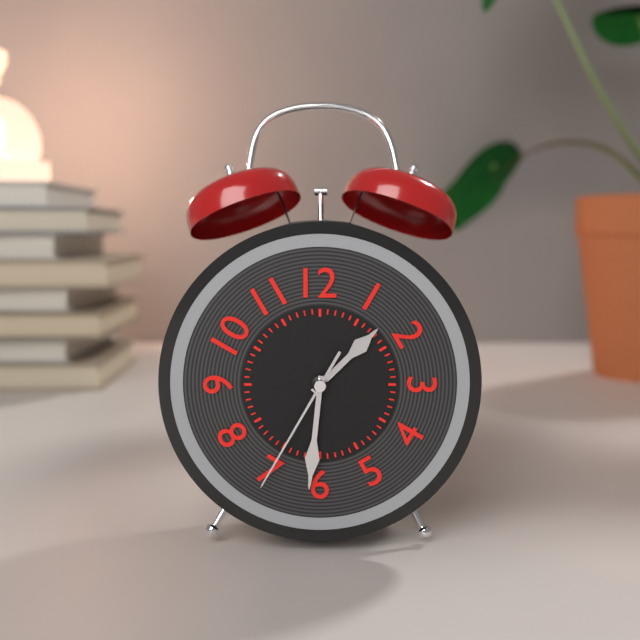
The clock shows 1.31.35
